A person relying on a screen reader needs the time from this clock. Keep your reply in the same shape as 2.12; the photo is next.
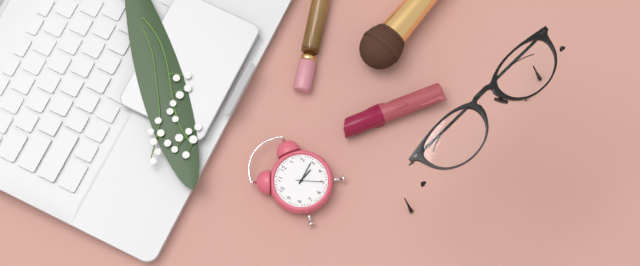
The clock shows 3.14
